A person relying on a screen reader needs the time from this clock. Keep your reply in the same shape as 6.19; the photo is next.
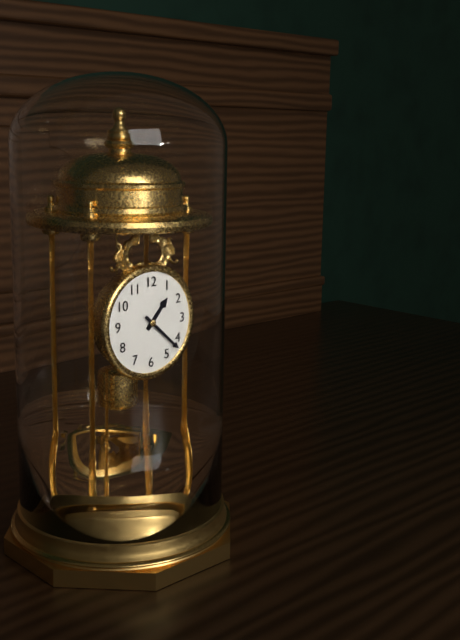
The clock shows 1.22
